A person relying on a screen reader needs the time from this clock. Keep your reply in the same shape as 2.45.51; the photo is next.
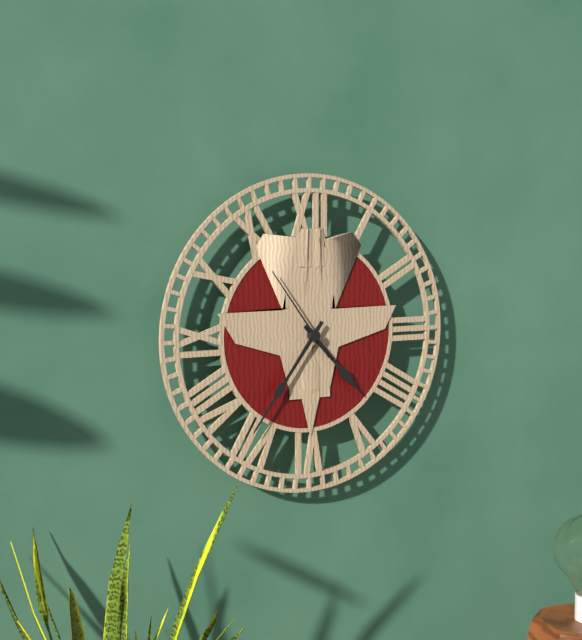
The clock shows 4.36.54
